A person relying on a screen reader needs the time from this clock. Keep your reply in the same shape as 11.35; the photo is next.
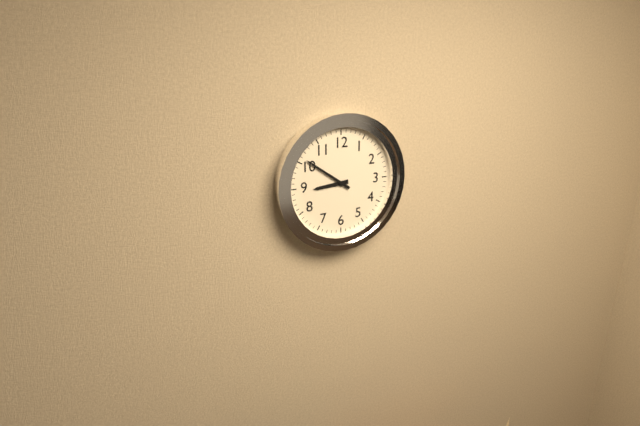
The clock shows 8.51
